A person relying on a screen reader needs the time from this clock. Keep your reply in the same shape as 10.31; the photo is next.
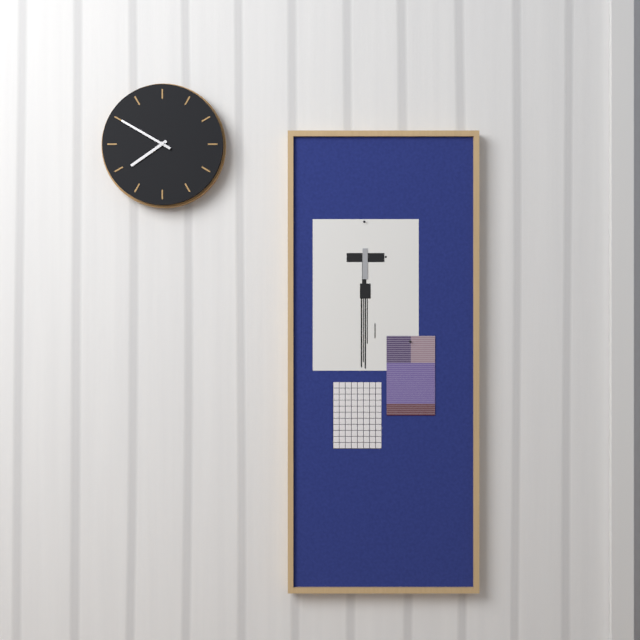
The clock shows 7.50
